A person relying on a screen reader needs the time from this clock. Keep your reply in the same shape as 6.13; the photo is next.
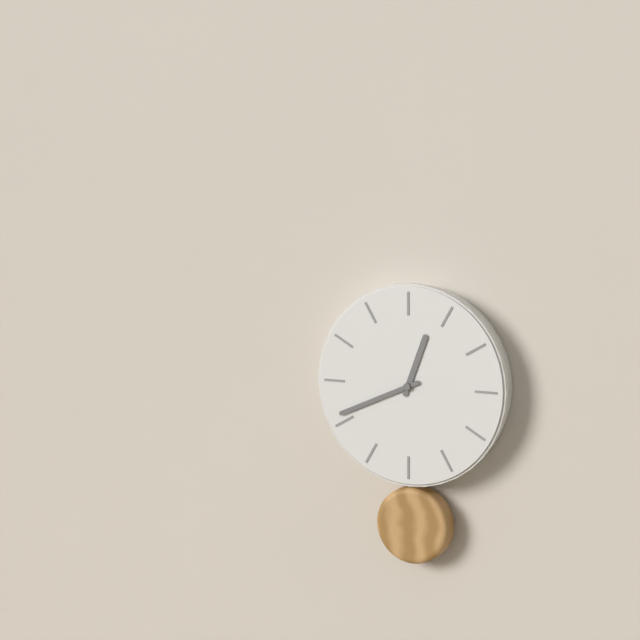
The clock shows 12.41
